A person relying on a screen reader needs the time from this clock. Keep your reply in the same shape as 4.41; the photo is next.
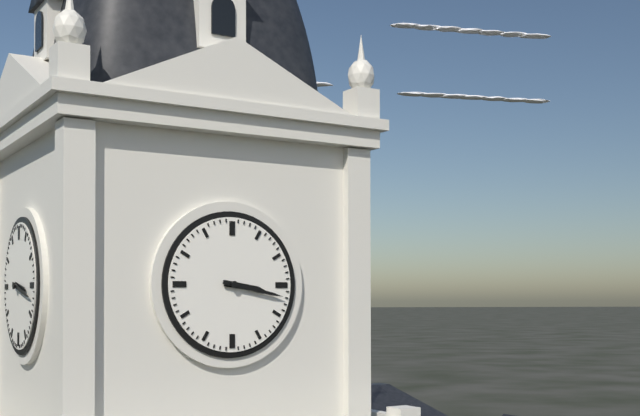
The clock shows 3.17
